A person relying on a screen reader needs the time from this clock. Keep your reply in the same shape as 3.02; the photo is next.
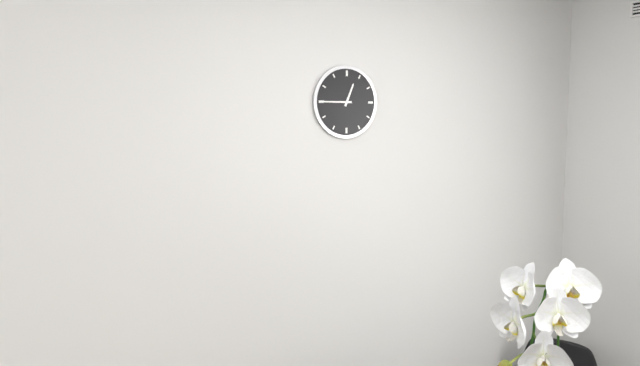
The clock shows 12.45
